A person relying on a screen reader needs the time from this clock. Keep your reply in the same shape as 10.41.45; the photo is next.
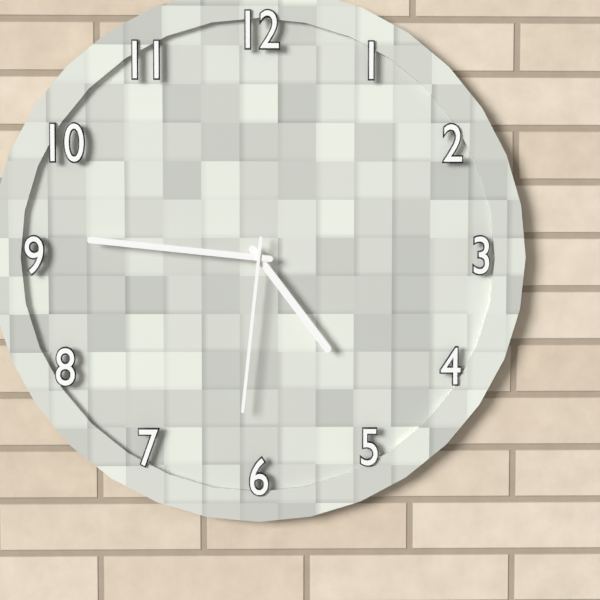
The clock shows 4.46.31
